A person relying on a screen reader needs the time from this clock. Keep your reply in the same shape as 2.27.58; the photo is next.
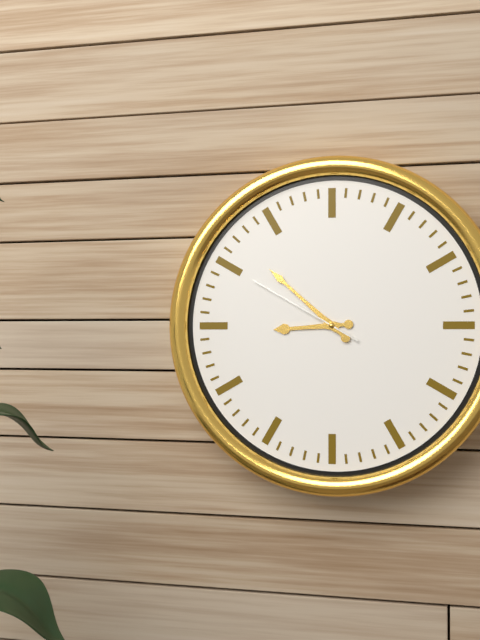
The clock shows 8.52.50
